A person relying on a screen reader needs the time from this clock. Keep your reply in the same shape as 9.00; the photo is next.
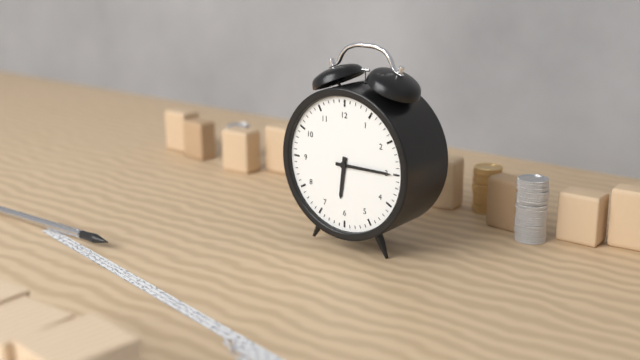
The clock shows 6.15
